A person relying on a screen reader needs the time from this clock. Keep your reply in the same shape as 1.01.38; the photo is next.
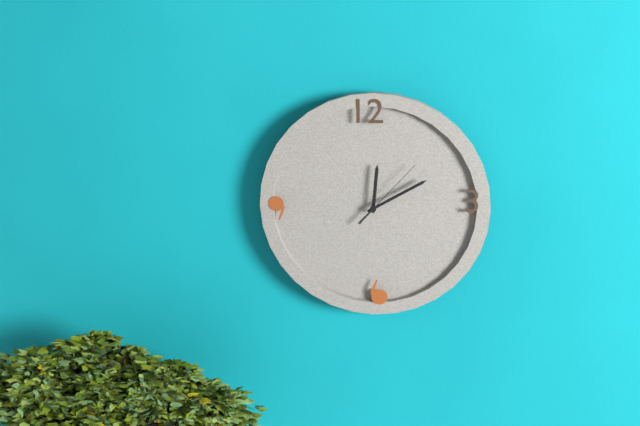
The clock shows 12.10.07
